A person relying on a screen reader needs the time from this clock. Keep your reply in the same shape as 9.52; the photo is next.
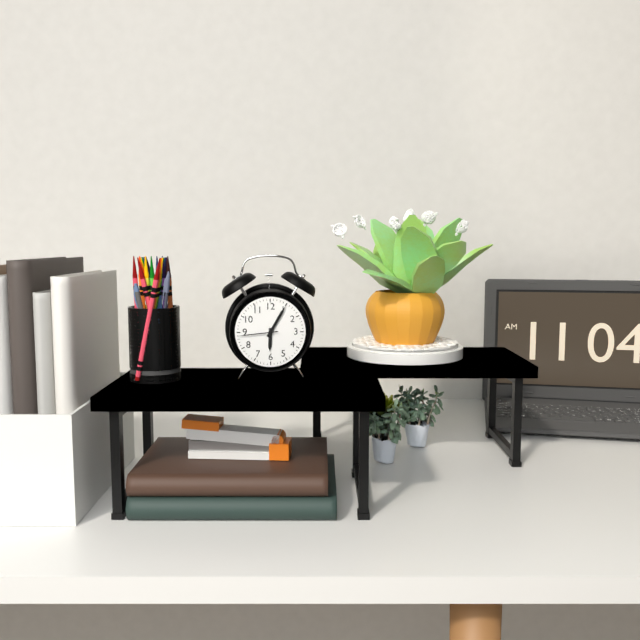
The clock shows 6.05
